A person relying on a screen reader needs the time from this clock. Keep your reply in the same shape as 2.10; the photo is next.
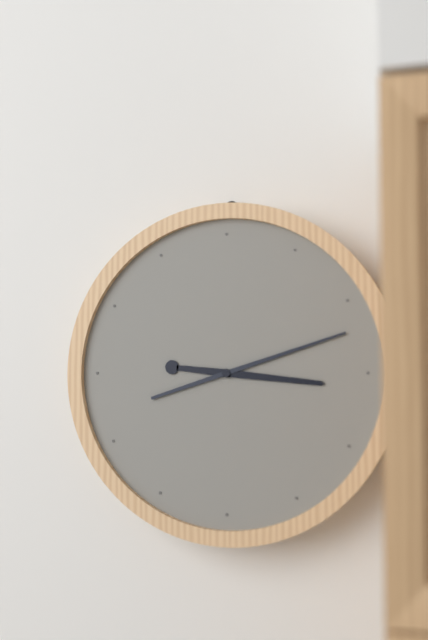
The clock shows 3.12
